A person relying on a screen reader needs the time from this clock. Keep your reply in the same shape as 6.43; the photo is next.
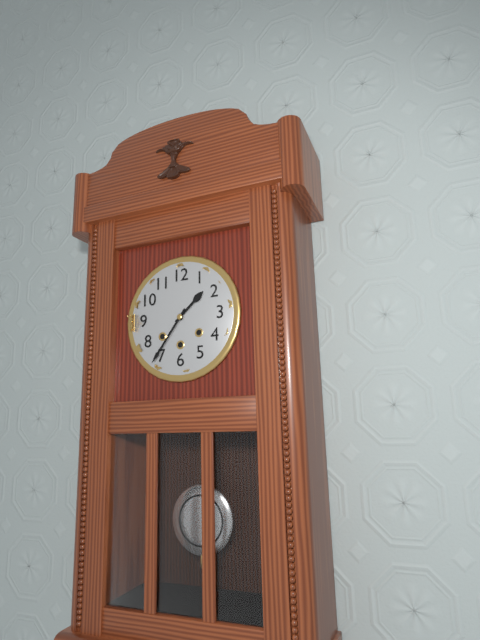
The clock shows 1.36
